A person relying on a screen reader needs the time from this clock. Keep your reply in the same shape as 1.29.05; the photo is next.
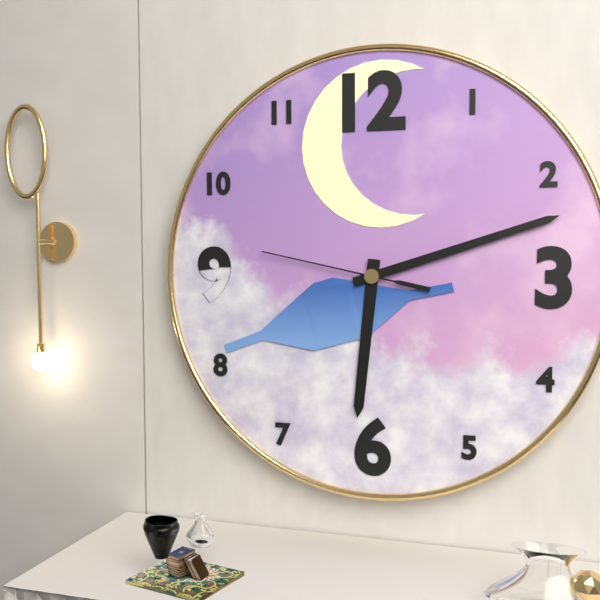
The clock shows 6.12.47
